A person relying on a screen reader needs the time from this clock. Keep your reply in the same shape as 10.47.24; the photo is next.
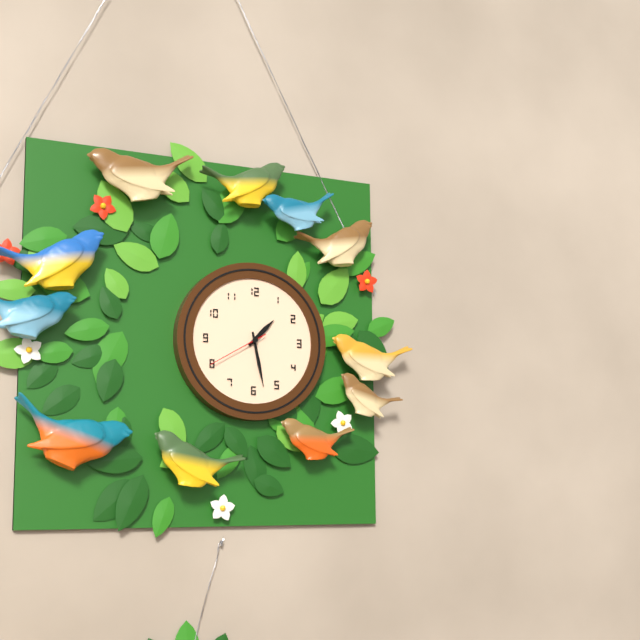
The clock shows 1.28.40
